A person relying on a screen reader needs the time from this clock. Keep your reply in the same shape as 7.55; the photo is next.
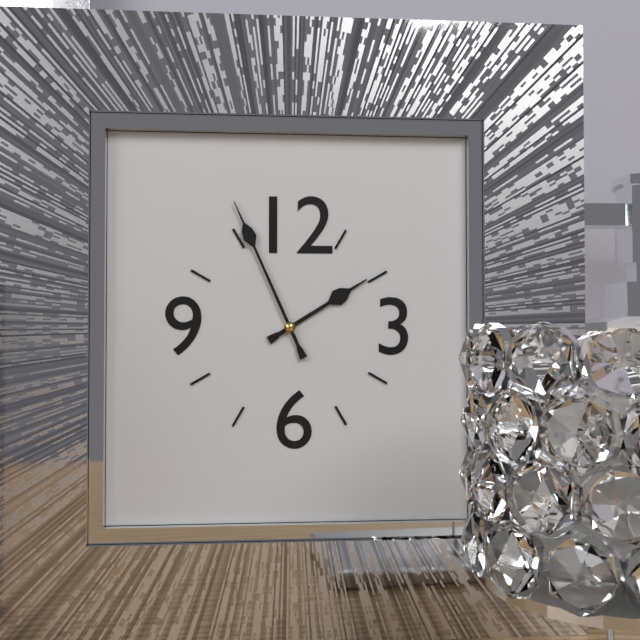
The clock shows 1.56
